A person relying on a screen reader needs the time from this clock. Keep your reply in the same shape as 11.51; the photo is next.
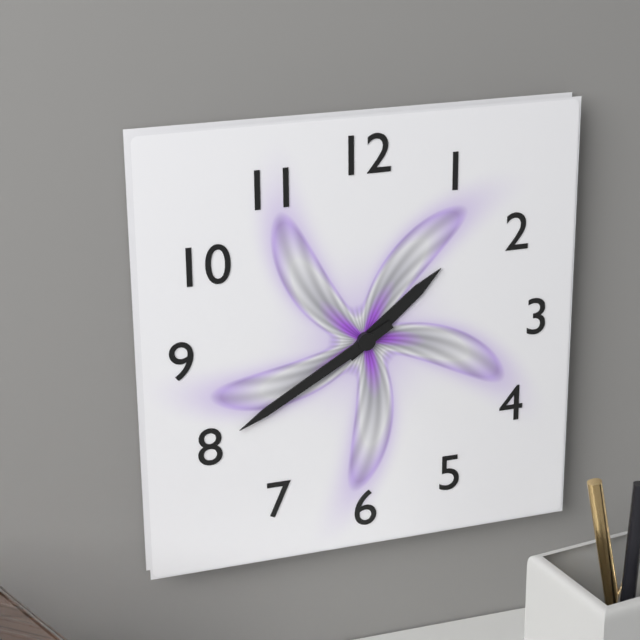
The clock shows 1.40
